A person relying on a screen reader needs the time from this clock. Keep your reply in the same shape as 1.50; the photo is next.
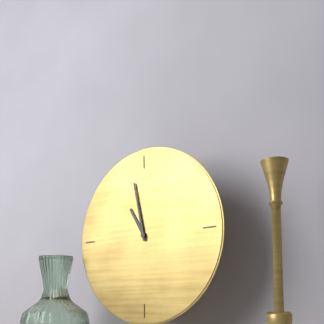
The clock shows 10.58
